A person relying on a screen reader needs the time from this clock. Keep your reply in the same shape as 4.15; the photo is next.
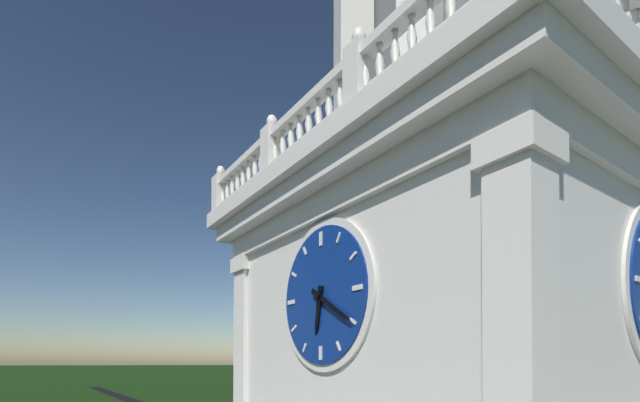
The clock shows 6.20
